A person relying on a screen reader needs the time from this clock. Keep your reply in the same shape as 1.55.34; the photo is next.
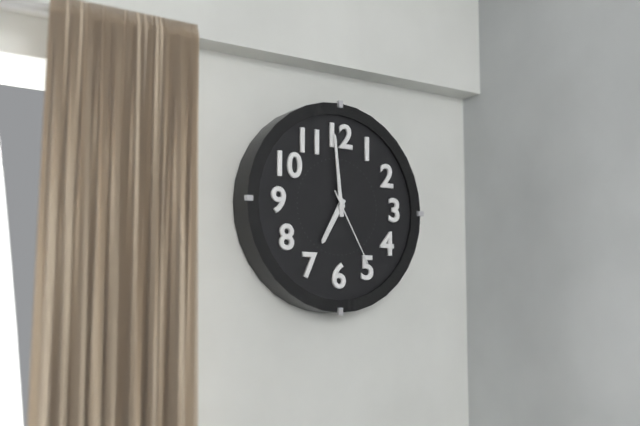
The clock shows 6.59.25
